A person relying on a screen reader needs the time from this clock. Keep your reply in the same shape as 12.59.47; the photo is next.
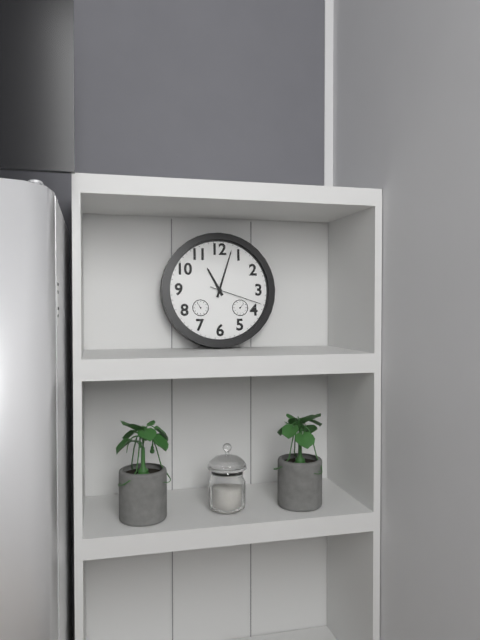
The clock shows 11.03.18
